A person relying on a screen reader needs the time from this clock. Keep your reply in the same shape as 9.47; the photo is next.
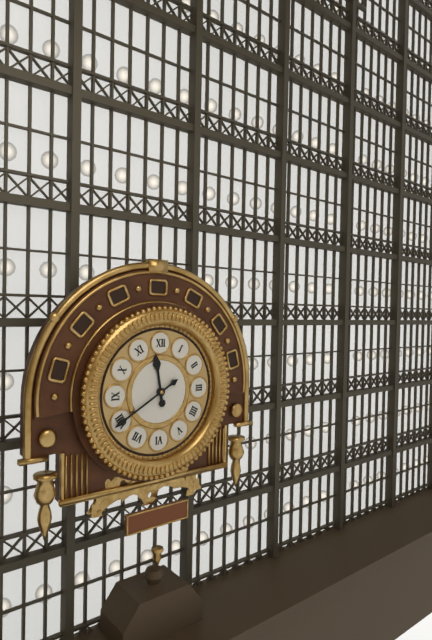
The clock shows 11.40
